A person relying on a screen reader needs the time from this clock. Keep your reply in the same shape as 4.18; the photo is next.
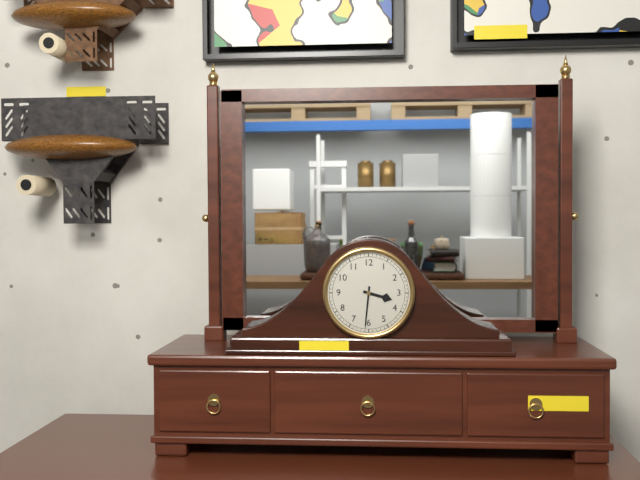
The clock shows 3.31
